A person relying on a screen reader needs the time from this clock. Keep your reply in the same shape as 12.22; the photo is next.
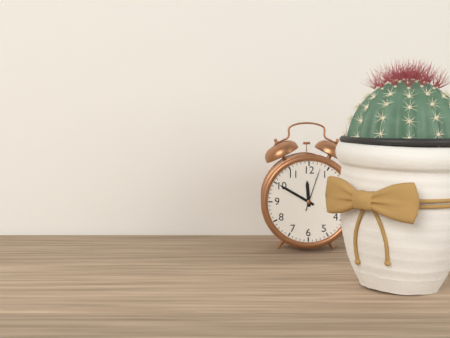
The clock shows 11.50
